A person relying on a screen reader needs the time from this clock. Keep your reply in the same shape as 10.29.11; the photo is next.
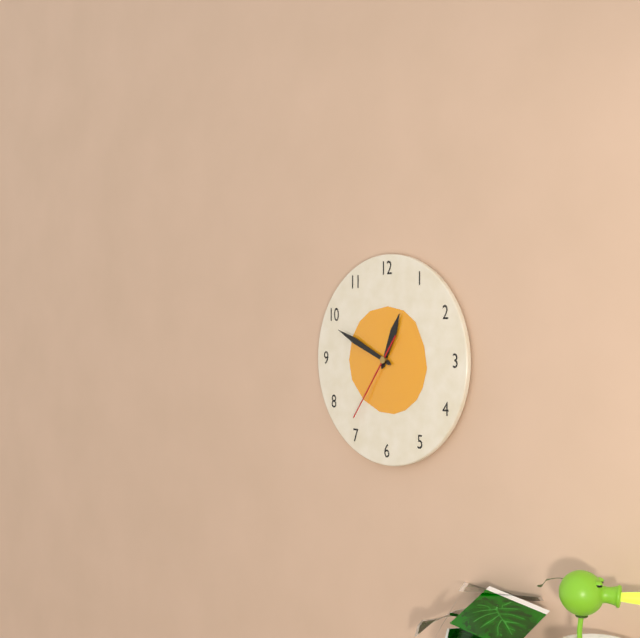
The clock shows 12.49.36
